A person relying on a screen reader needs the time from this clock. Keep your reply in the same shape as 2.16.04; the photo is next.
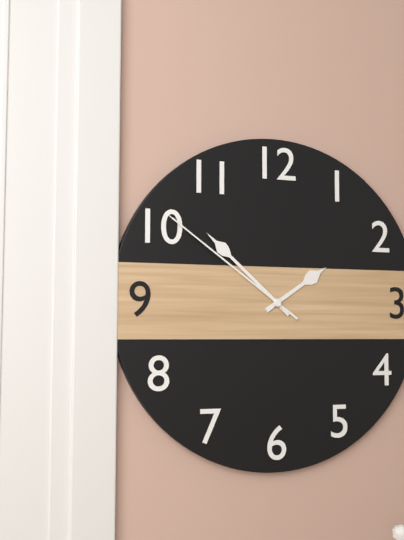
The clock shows 1.52.51
